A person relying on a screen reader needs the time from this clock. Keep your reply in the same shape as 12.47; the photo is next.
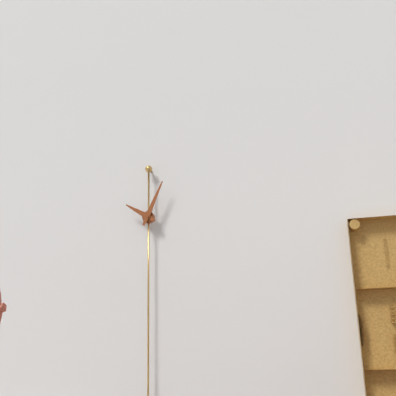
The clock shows 10.04
